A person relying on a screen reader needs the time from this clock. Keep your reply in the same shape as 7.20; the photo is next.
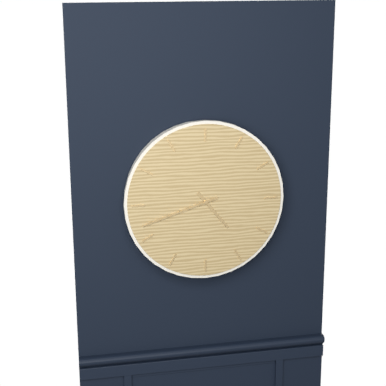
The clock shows 4.42
